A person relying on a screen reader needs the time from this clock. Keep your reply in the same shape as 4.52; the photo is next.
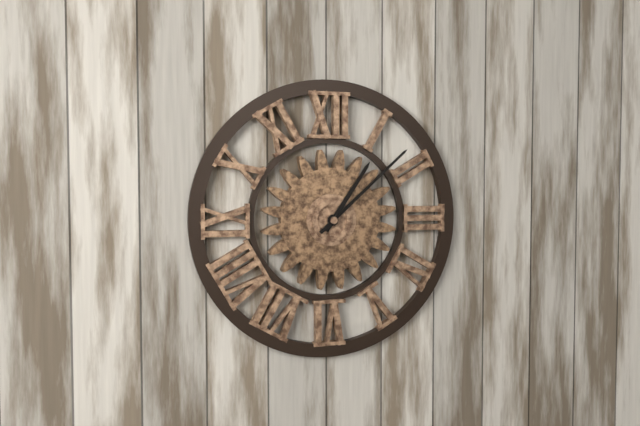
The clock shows 1.08
